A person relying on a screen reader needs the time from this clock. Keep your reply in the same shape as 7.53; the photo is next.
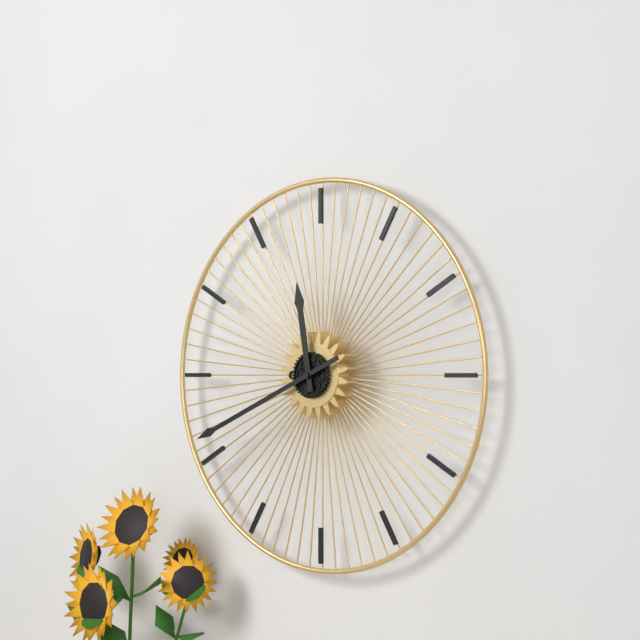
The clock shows 11.41
